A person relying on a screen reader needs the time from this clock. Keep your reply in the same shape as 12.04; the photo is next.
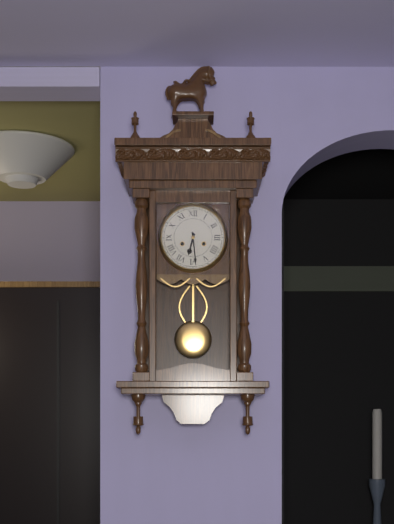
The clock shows 6.29
